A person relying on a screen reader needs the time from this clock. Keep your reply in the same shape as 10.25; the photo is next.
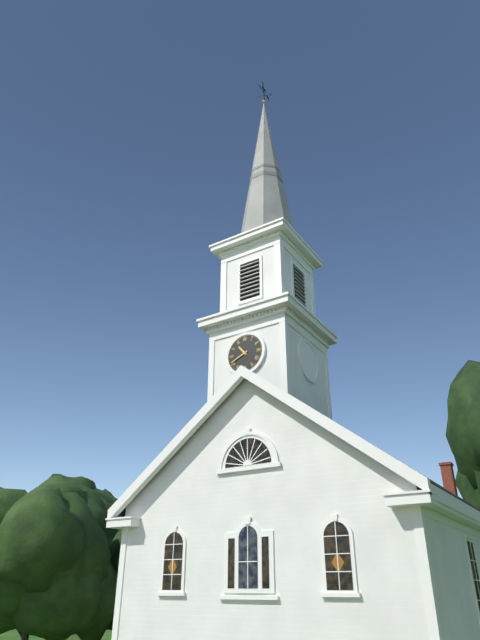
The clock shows 10.41
